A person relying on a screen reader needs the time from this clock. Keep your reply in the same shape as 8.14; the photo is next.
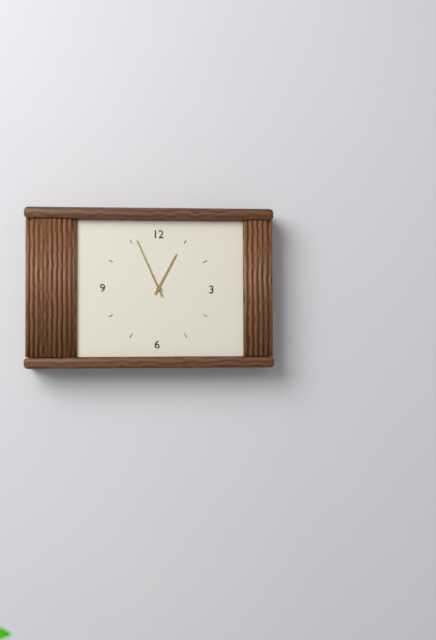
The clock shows 12.56
